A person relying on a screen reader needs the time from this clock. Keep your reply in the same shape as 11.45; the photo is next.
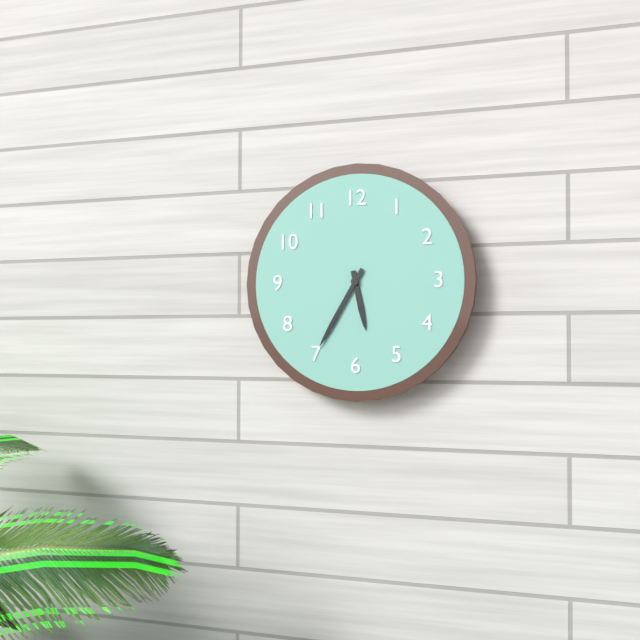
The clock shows 5.35
